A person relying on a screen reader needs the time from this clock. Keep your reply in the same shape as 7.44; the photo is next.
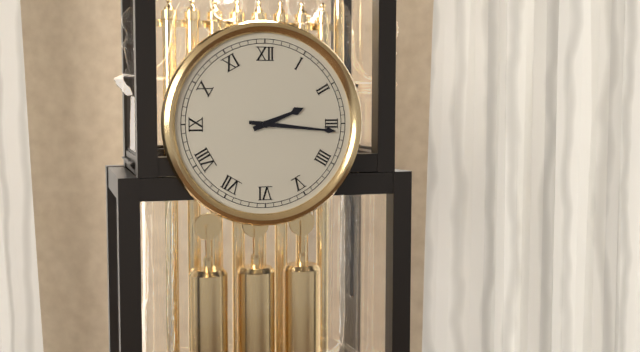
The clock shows 2.16
